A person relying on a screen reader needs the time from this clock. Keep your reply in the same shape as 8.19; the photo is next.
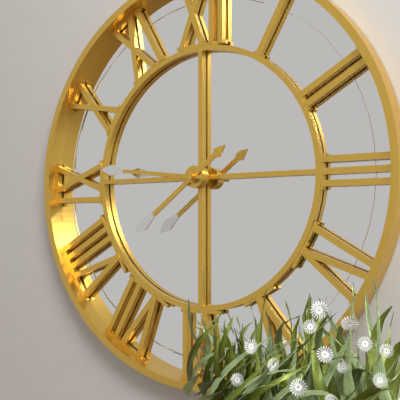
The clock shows 7.46
